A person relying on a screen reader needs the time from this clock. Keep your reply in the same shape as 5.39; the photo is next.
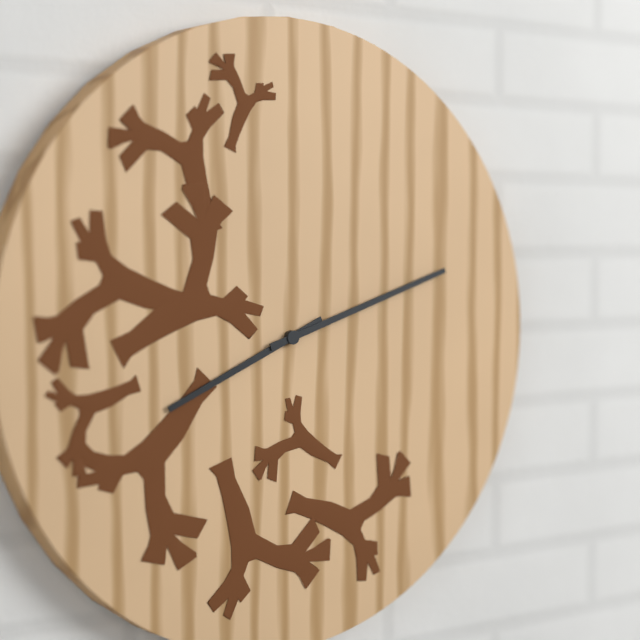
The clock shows 8.12
